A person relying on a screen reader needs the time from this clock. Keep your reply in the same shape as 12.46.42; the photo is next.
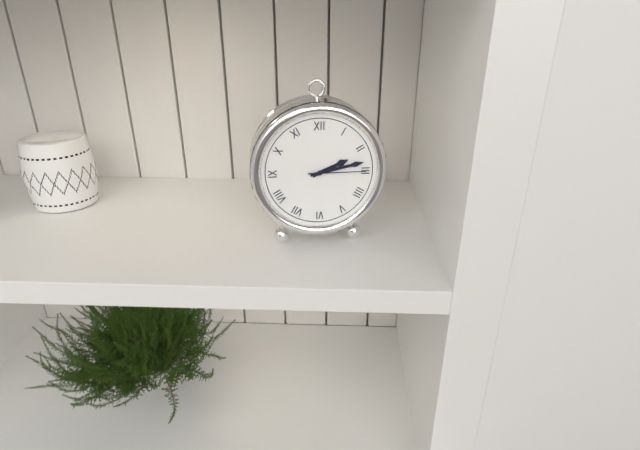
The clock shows 2.13.15
